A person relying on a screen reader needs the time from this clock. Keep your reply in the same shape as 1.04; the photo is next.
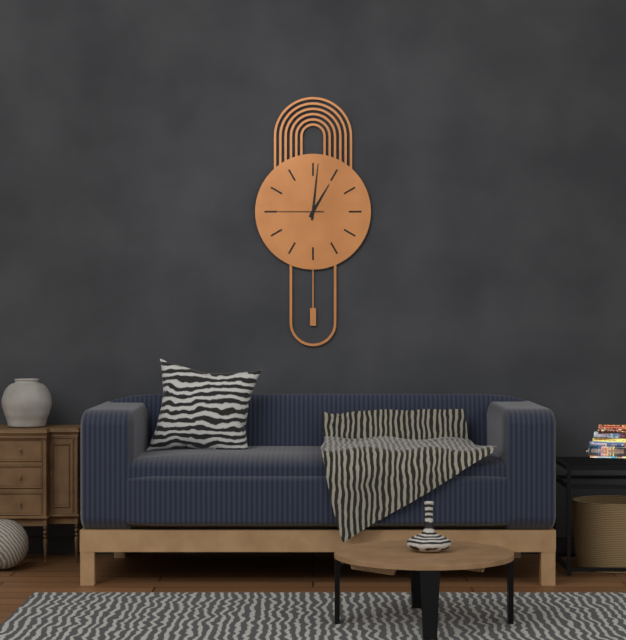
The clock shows 1.01
